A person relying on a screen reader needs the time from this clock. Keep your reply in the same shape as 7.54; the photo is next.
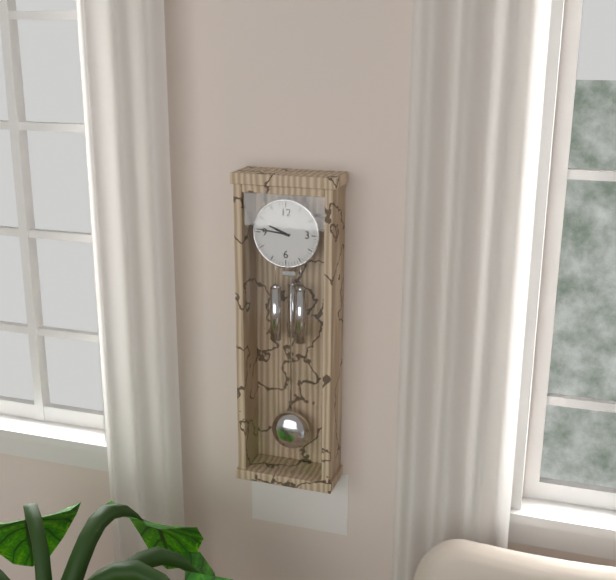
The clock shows 9.46
